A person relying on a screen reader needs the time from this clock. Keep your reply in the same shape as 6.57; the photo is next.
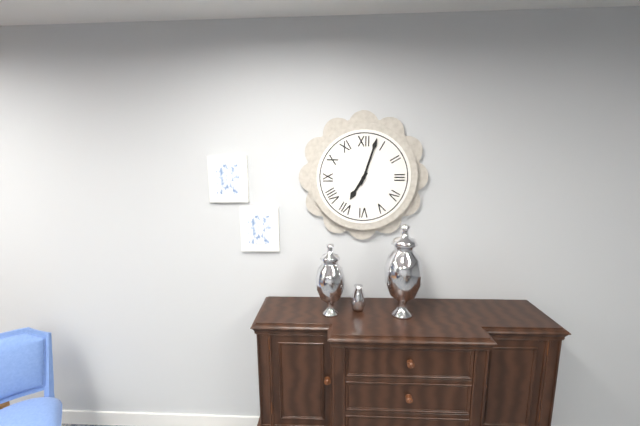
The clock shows 7.03
